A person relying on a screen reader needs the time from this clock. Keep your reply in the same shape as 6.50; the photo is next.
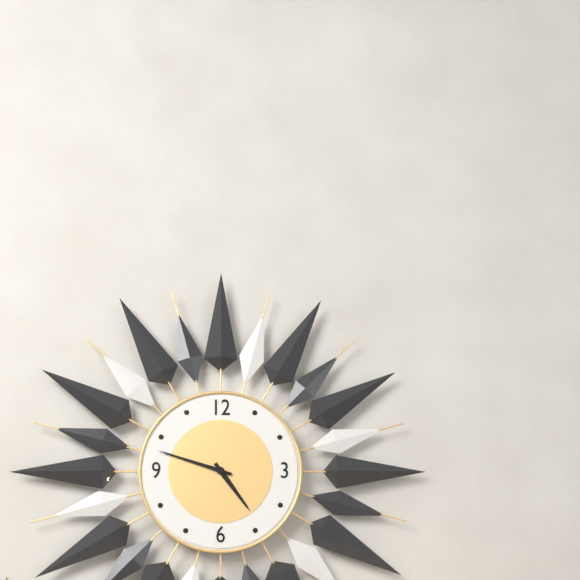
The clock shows 4.48
